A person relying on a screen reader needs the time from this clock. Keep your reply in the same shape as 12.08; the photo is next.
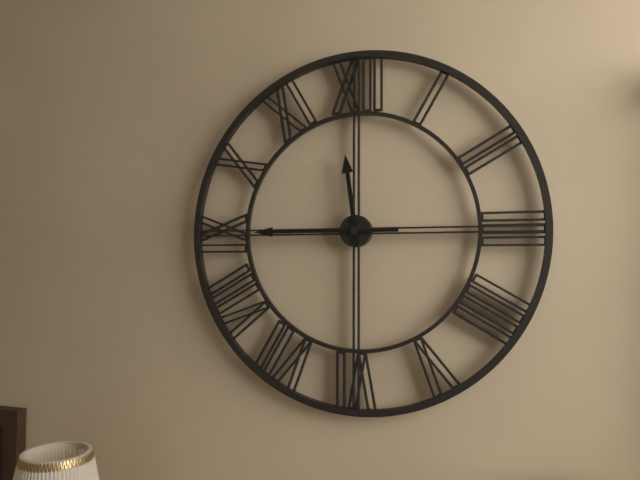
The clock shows 11.45
